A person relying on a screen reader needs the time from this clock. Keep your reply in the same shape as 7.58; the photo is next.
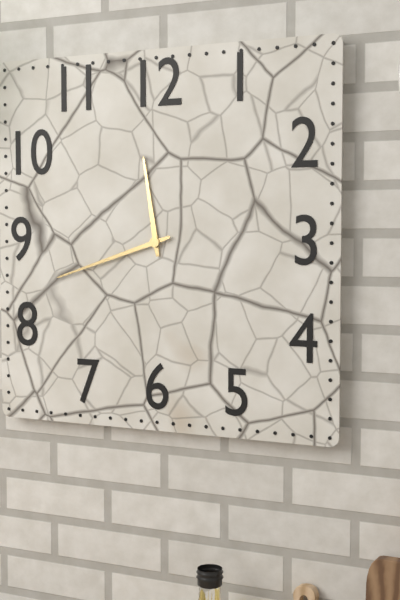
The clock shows 11.42
